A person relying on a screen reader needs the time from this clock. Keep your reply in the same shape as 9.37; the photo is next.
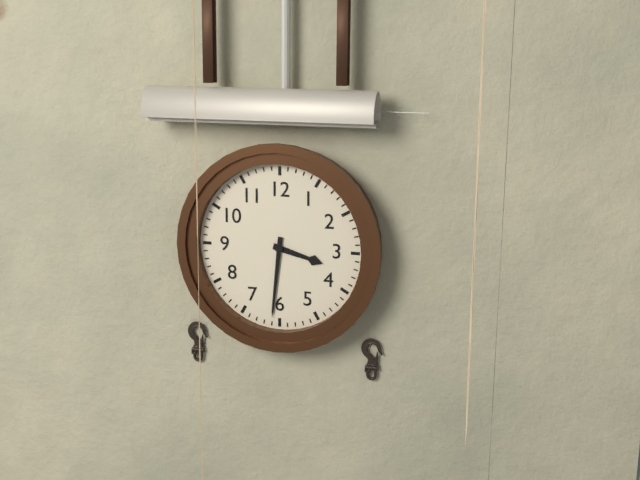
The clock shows 3.31
